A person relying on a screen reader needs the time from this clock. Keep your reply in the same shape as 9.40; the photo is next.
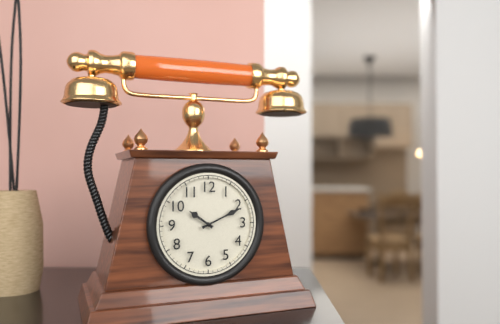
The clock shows 10.11
